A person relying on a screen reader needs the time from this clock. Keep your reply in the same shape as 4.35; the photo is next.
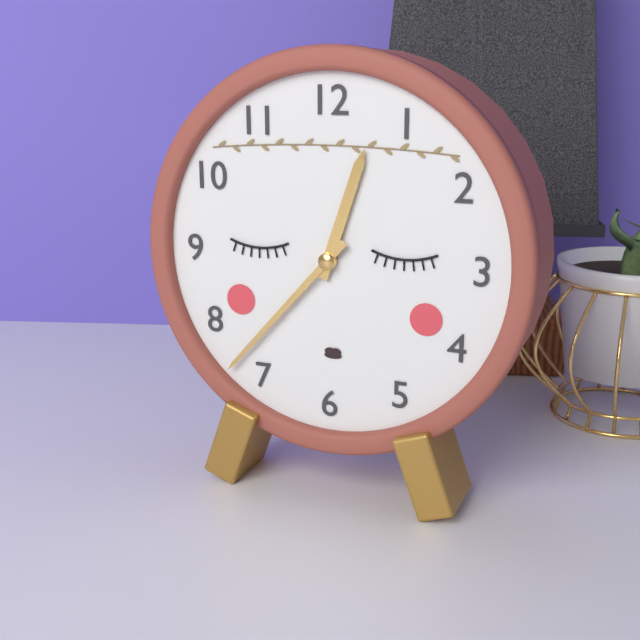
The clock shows 12.37
